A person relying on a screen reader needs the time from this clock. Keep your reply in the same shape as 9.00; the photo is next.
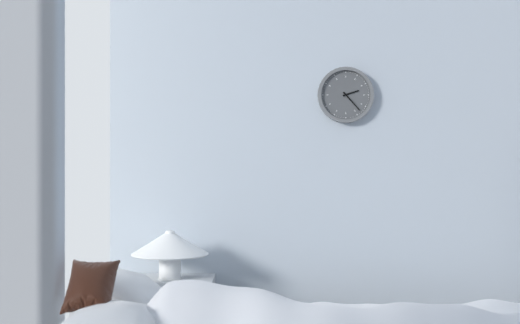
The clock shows 2.23
